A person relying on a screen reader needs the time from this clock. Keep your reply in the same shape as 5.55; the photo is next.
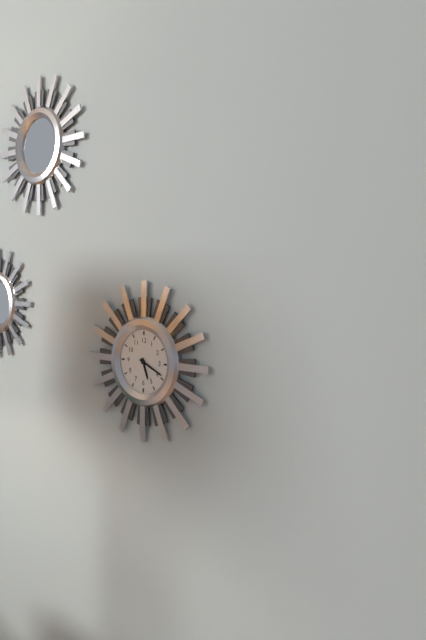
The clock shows 5.19
